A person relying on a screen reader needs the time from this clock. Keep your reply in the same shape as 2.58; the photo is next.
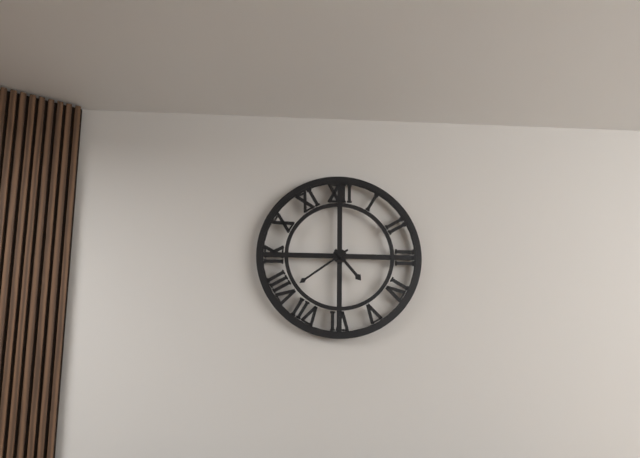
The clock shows 4.39
